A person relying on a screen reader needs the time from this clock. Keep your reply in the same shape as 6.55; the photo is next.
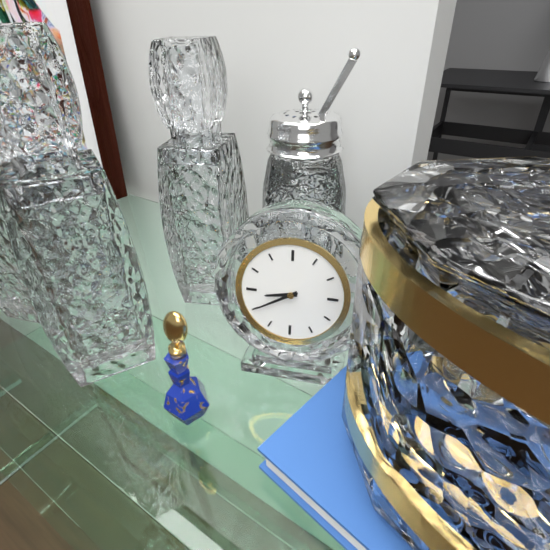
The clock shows 8.40
